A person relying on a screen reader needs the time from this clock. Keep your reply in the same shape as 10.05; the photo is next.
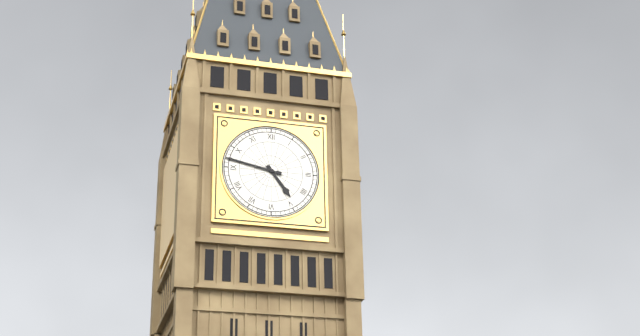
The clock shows 4.47
